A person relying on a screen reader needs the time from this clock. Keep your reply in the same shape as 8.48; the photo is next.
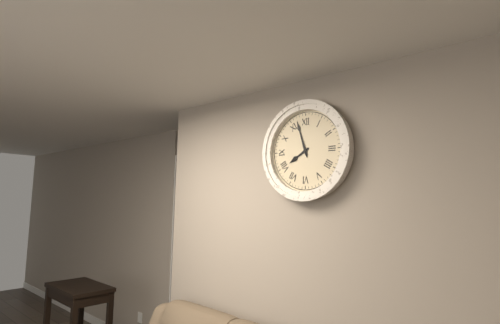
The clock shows 7.57
